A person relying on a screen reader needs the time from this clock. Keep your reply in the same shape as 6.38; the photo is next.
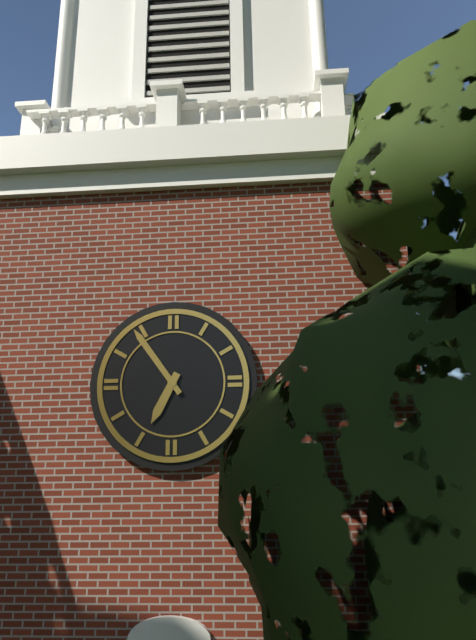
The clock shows 6.54
